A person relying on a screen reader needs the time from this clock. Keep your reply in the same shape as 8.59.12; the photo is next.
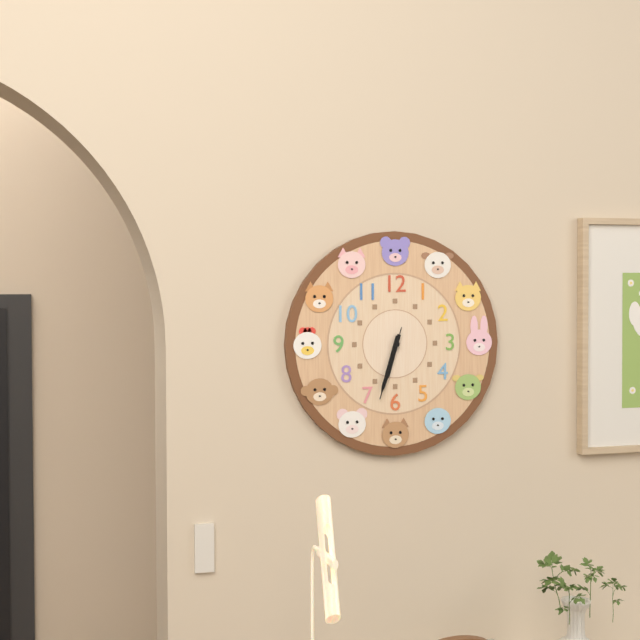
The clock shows 6.33.33
